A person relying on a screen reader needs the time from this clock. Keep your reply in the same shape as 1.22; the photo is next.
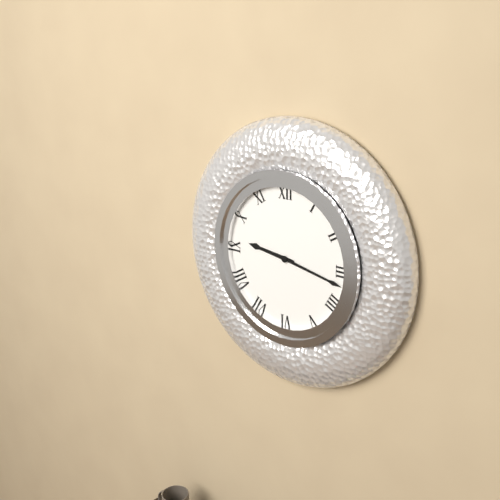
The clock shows 9.17
